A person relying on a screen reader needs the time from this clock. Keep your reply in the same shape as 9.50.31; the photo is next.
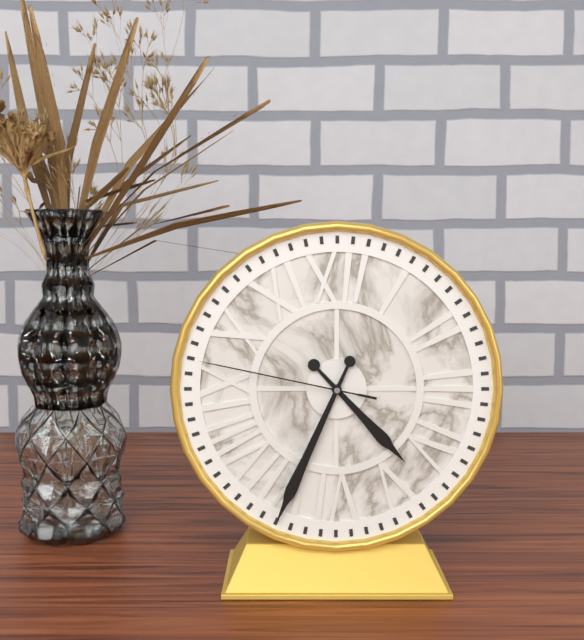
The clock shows 4.34.47
